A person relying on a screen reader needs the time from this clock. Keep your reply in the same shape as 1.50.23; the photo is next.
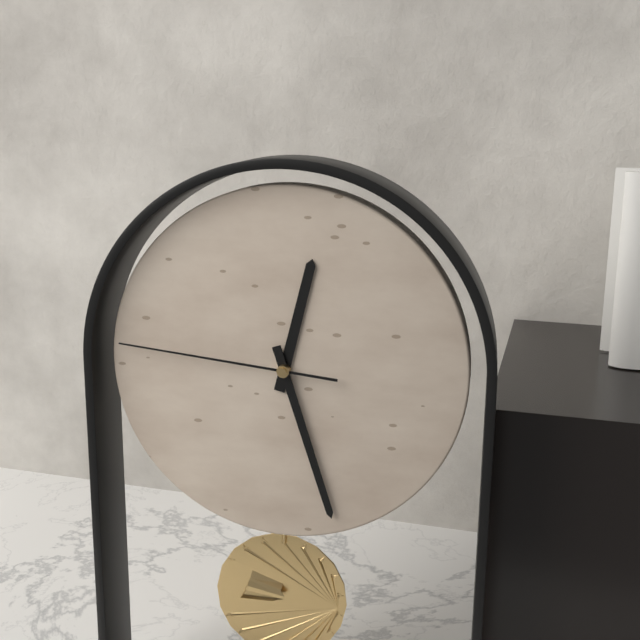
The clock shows 12.27.46
